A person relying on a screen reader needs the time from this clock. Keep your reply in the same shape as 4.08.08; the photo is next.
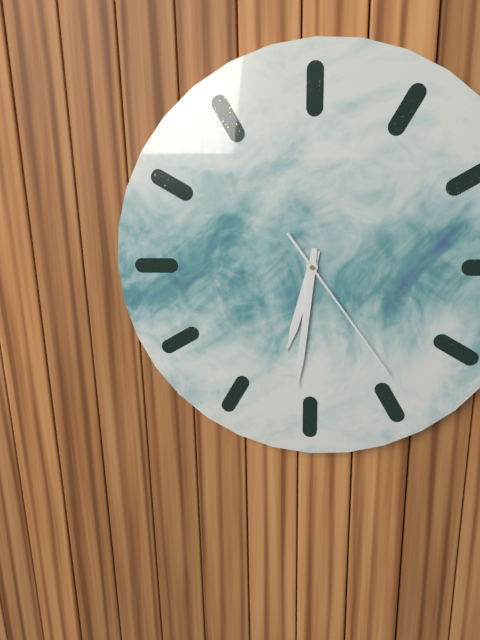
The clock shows 6.31.24
